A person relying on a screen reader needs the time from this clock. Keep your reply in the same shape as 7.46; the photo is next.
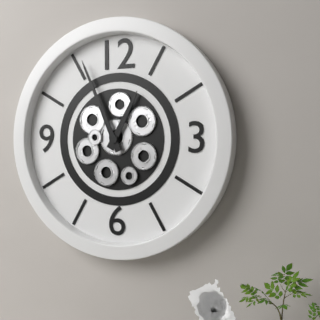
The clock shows 12.56
